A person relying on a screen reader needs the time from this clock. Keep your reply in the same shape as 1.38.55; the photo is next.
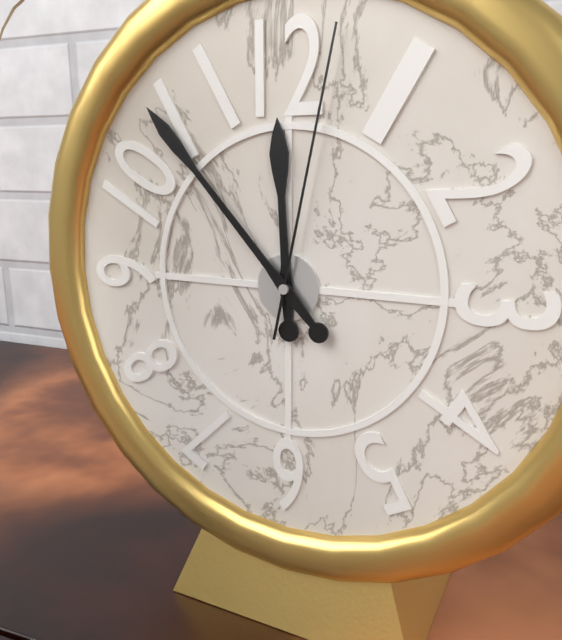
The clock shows 11.53.02
